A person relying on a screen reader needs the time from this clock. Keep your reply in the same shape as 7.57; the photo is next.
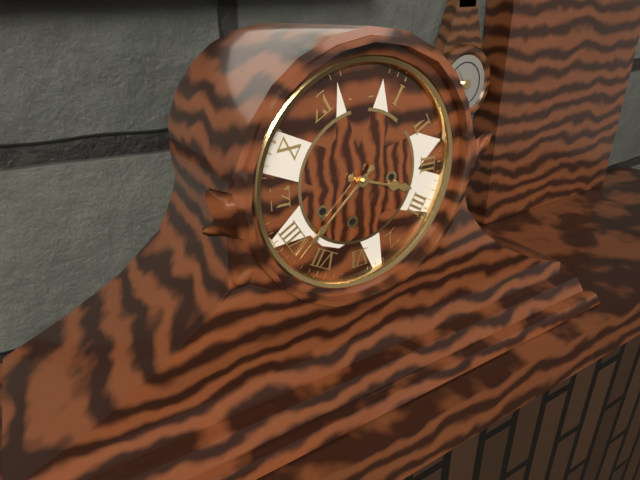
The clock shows 3.38
